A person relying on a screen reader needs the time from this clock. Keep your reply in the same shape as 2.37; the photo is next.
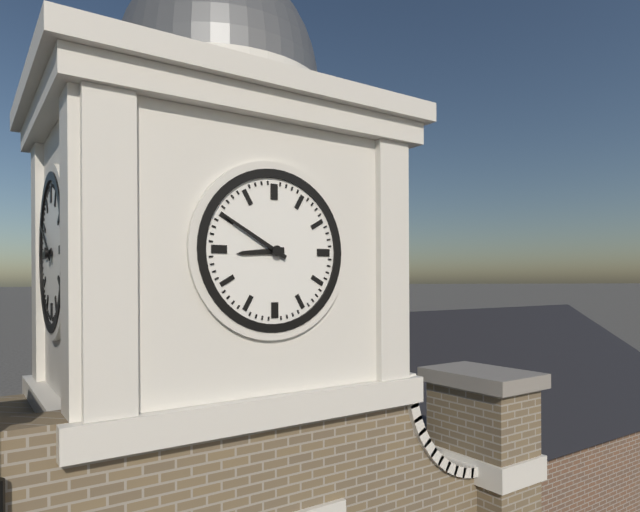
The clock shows 8.50
